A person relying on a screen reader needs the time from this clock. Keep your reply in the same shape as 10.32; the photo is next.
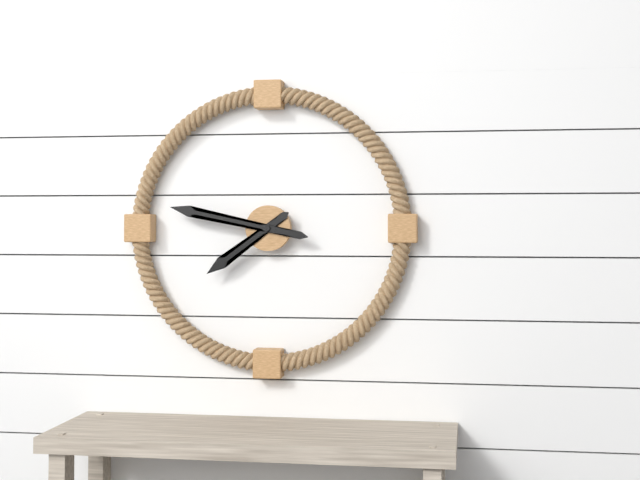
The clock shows 7.47
